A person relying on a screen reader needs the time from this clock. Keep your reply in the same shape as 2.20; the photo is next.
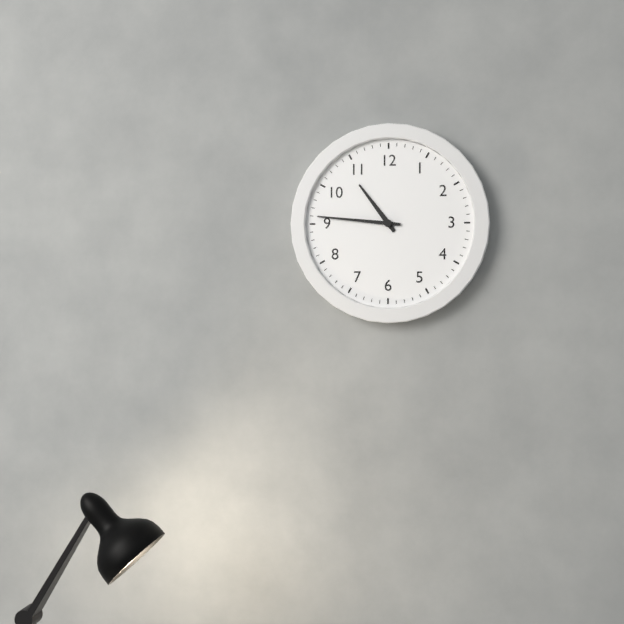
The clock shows 10.46
